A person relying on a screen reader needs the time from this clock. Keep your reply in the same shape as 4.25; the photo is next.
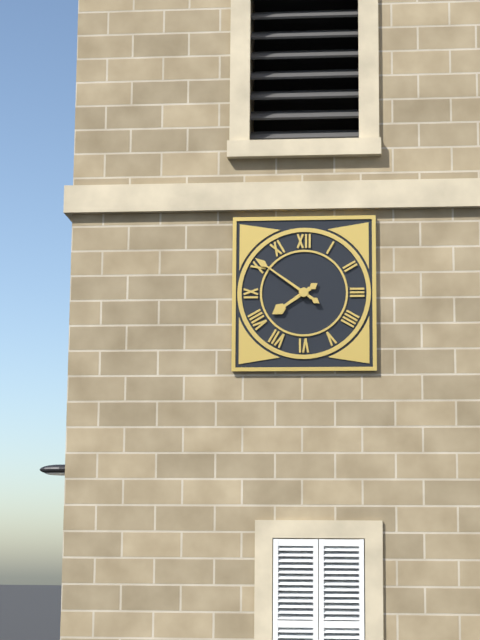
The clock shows 7.51
